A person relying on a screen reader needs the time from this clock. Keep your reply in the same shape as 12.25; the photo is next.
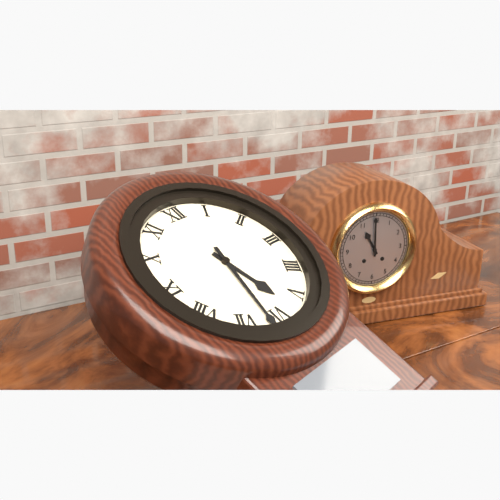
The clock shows 5.32
